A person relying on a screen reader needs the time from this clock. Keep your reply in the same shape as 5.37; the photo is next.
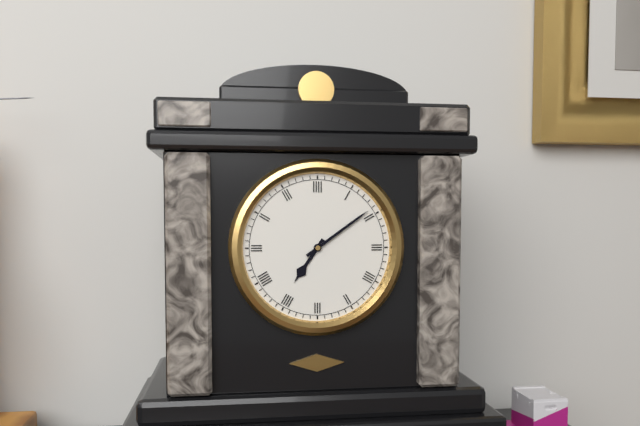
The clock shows 7.09
